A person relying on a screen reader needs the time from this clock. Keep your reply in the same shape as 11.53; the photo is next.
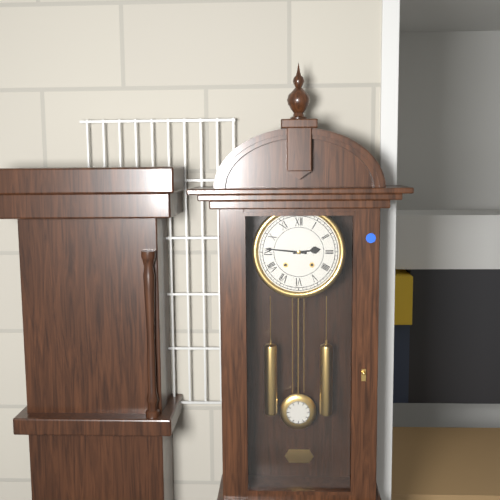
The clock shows 2.46
